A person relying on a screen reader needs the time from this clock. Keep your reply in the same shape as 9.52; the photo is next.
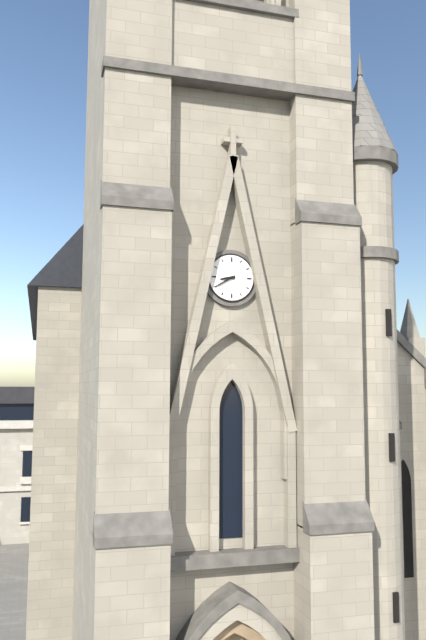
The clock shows 8.40
